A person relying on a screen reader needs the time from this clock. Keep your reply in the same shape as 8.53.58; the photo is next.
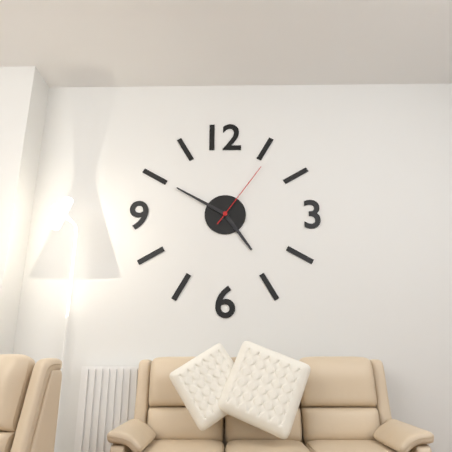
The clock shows 4.50.06
